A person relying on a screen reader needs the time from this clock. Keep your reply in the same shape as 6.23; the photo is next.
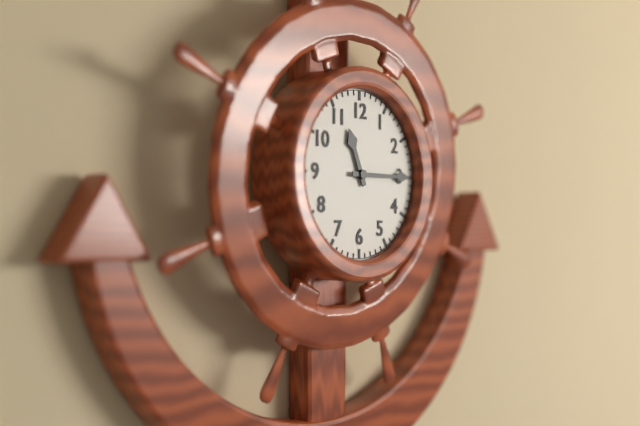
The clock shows 11.15
